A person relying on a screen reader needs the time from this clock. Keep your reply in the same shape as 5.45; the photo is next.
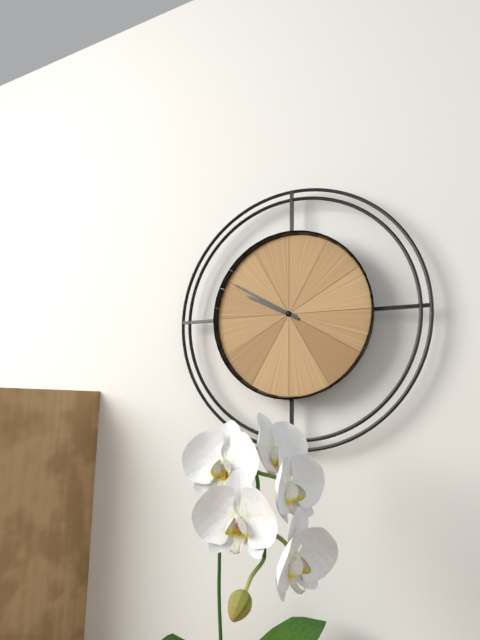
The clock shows 9.50
